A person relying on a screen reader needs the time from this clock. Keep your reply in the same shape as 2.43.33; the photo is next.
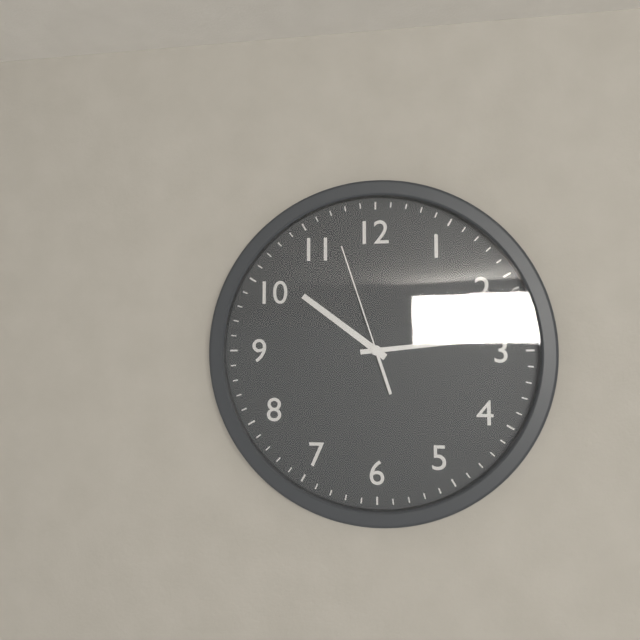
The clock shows 10.14.57
